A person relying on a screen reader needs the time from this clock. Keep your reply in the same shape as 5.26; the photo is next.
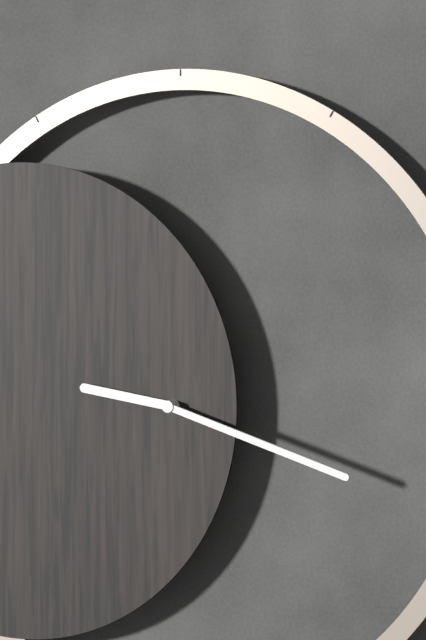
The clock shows 9.18
